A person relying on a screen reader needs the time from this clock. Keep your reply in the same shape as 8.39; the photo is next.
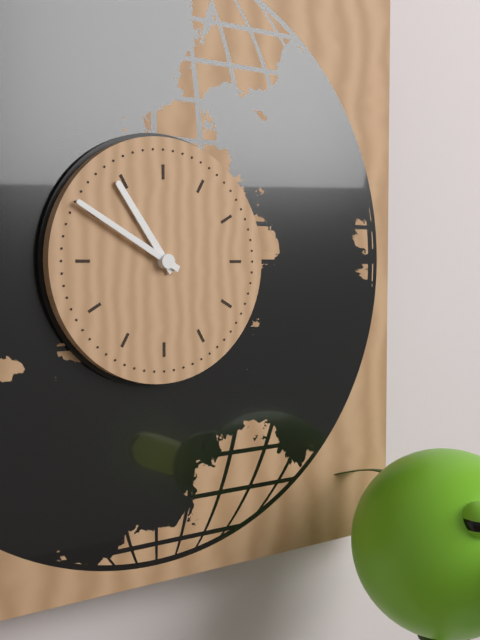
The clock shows 10.50
